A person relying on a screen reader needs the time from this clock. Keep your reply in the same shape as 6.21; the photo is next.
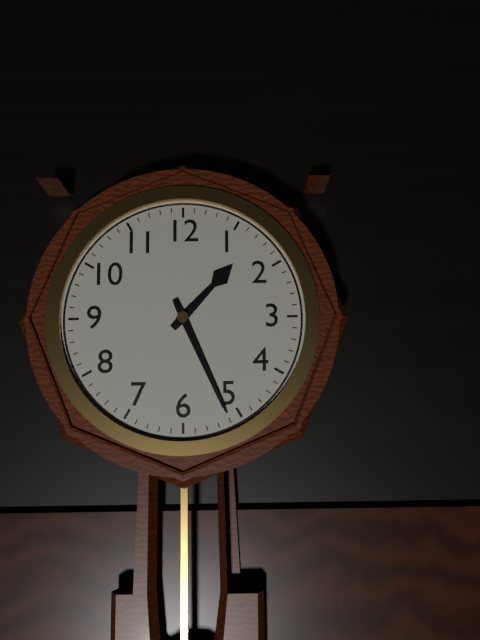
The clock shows 1.26
